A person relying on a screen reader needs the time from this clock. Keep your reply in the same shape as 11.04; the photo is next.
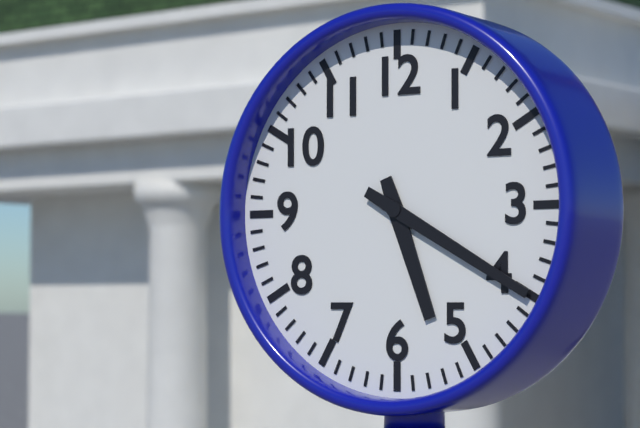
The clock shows 5.20
